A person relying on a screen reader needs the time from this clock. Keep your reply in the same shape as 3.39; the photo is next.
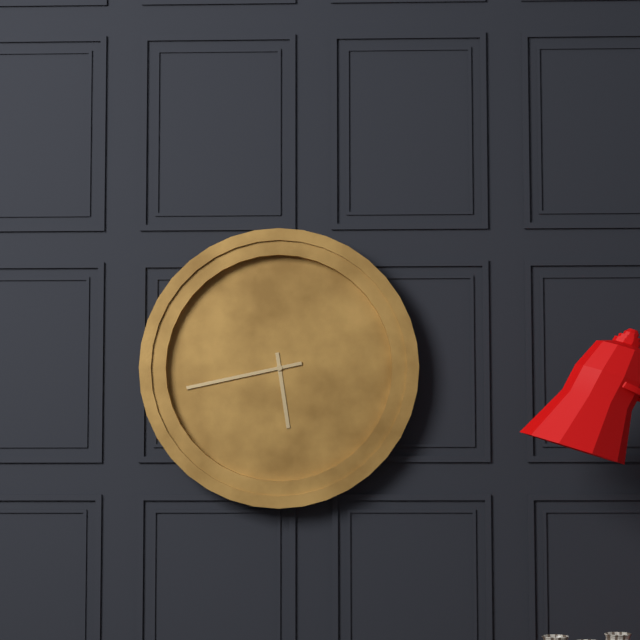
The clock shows 5.43
